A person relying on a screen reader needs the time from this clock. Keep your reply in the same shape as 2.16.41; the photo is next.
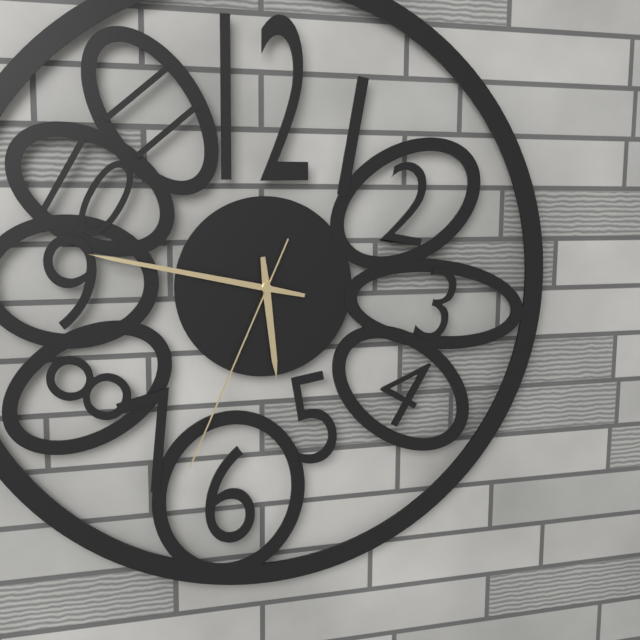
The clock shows 5.47.34
